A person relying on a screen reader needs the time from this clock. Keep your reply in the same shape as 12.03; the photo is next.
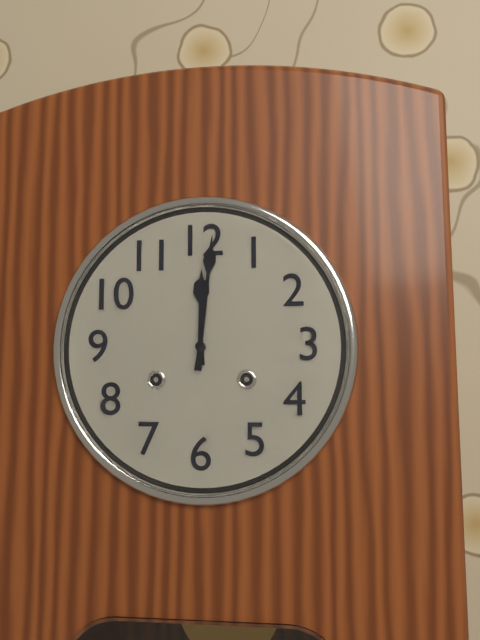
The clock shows 12.01
